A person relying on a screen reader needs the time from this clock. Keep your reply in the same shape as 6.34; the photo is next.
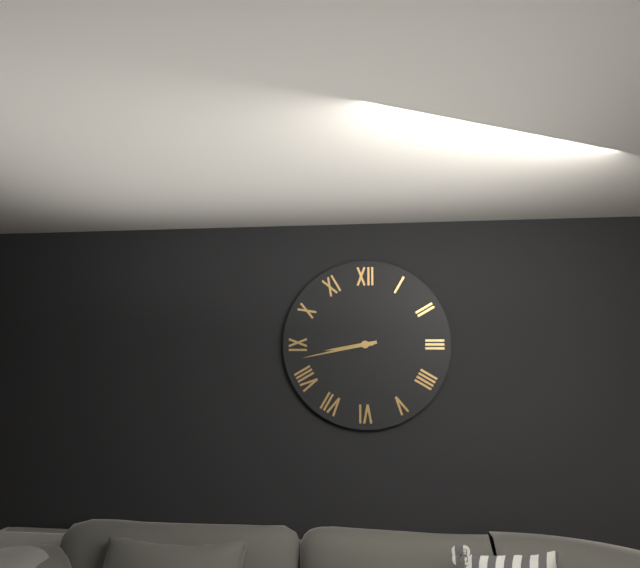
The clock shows 8.43
